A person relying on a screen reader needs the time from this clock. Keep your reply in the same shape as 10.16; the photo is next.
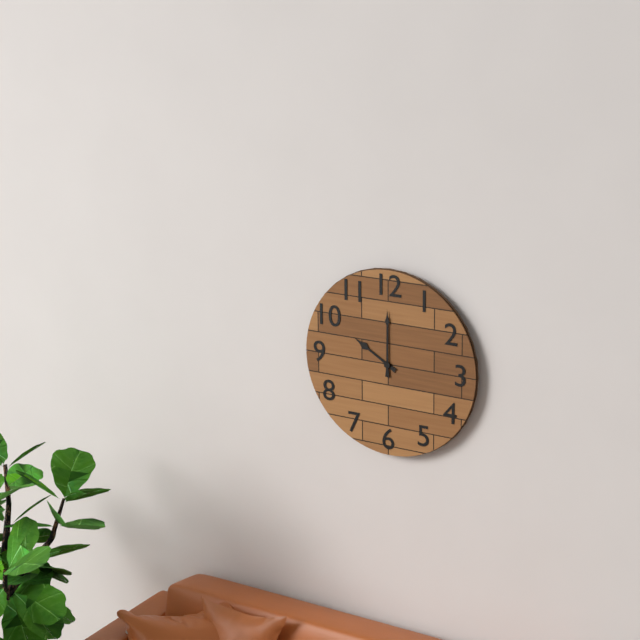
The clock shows 10.00
